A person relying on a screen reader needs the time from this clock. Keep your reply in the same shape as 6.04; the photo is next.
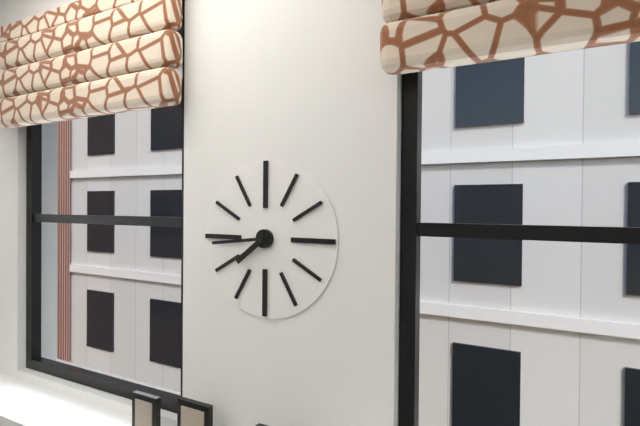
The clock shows 7.44
